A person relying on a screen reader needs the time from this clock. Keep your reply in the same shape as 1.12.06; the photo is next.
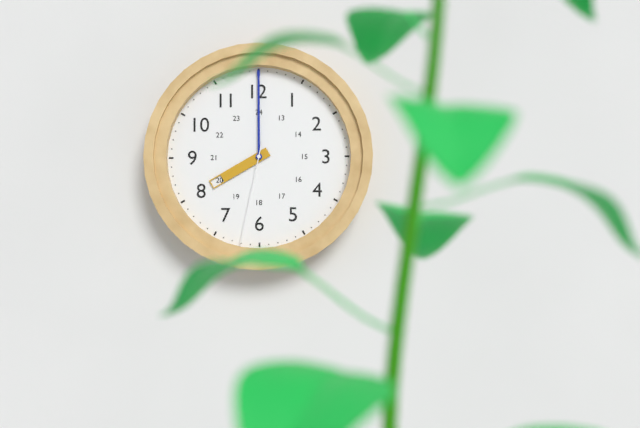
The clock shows 8.00.32
